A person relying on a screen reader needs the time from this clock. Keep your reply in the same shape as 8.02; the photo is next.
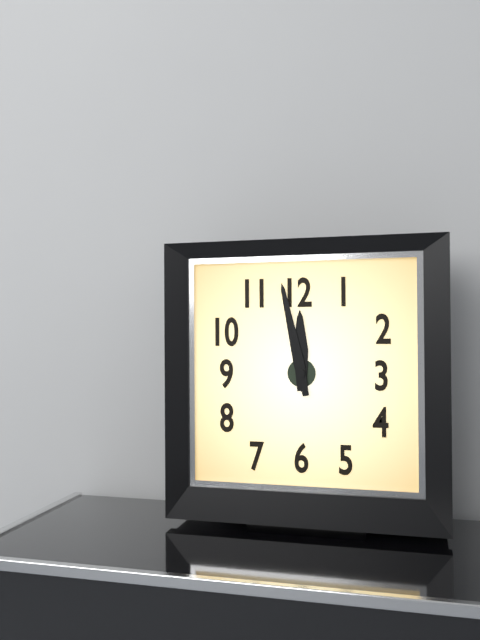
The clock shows 11.58
